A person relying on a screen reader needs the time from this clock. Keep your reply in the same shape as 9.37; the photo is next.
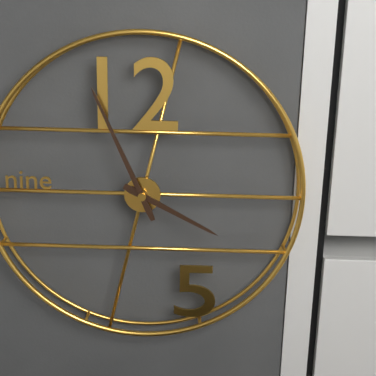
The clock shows 3.56
